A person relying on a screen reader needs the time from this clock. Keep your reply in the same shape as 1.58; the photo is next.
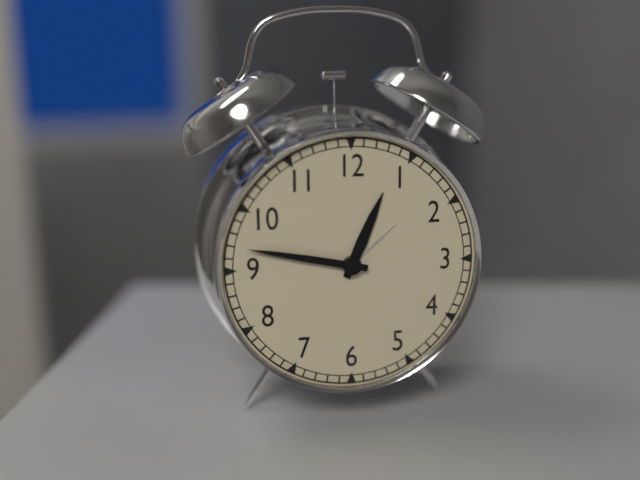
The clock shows 12.47
